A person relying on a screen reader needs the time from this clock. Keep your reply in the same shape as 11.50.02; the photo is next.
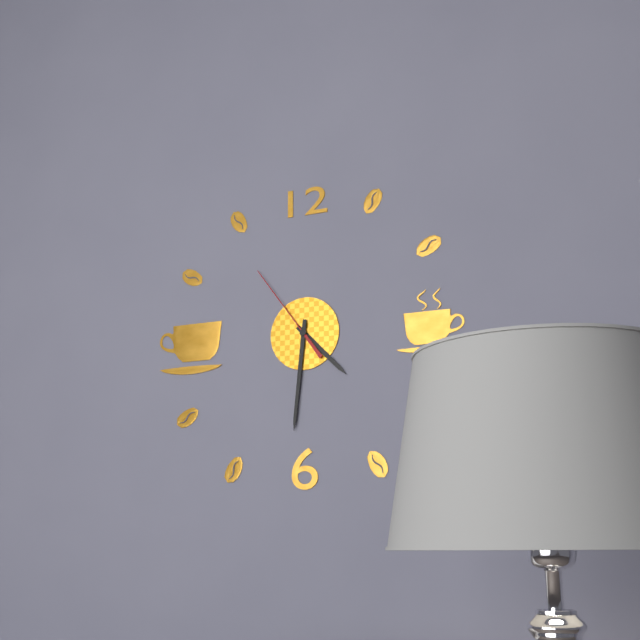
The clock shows 4.31.54
